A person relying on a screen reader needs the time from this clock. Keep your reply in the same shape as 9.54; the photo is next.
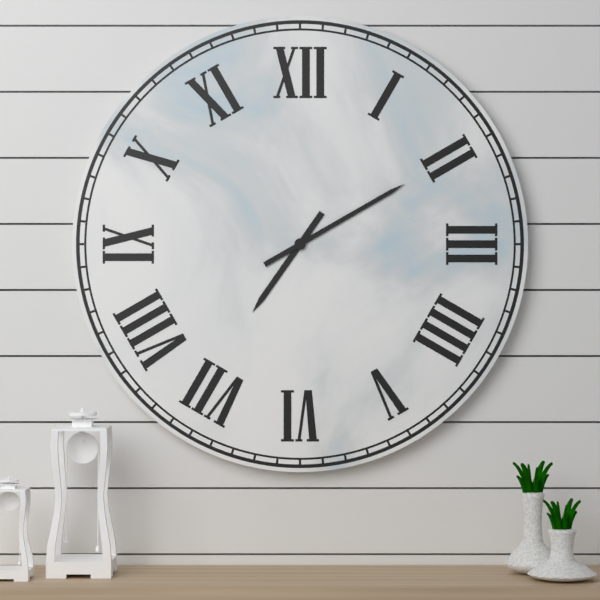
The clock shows 7.10
